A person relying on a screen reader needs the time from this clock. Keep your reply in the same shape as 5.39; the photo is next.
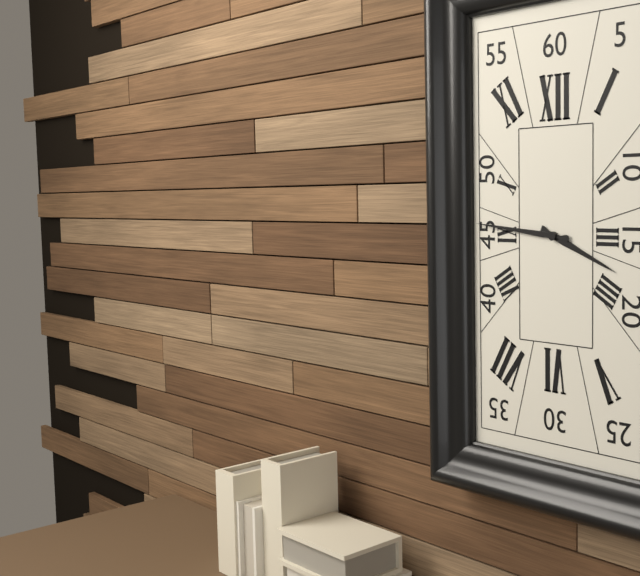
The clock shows 3.46
